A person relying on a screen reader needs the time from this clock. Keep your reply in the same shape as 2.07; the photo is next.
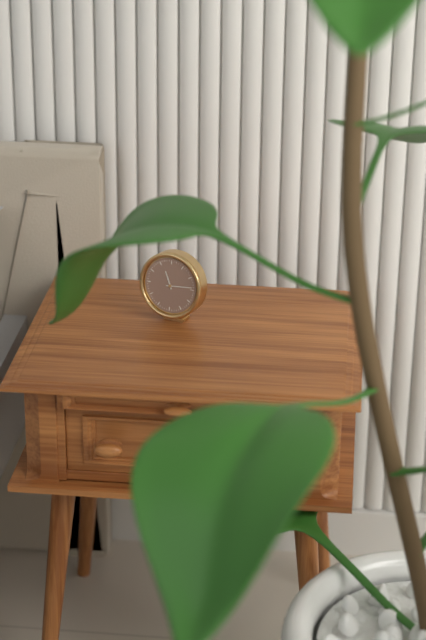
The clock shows 11.14
